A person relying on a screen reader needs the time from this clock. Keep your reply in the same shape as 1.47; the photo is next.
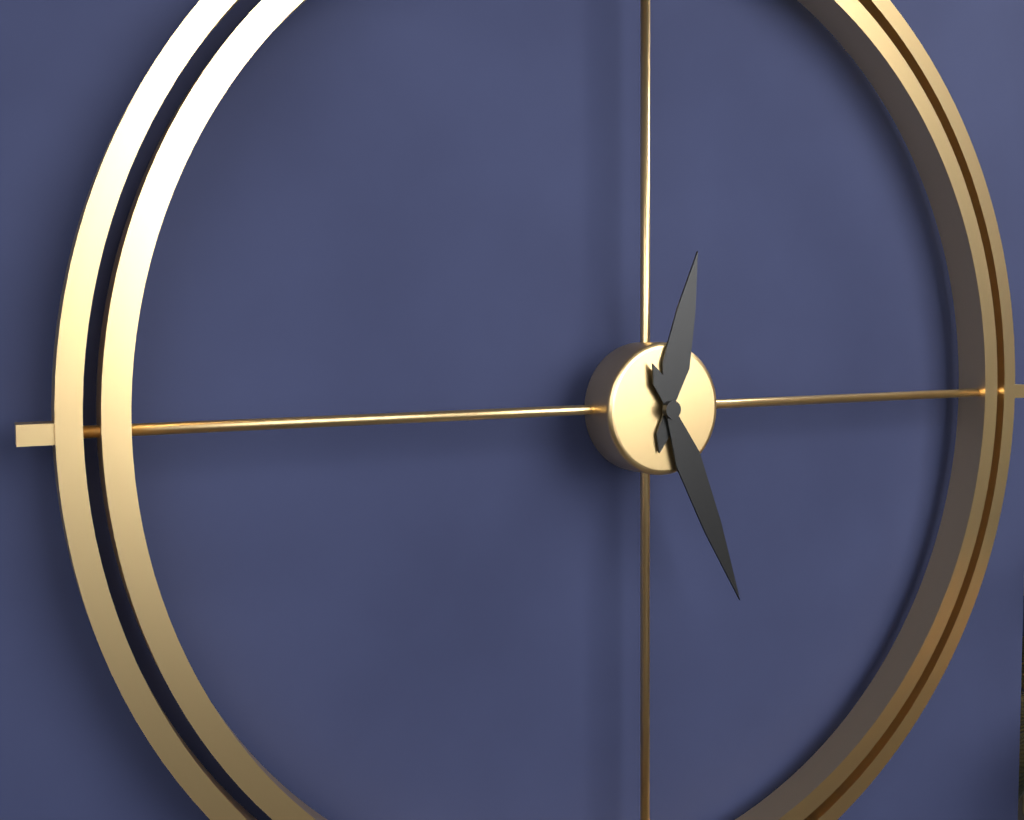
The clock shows 12.26
